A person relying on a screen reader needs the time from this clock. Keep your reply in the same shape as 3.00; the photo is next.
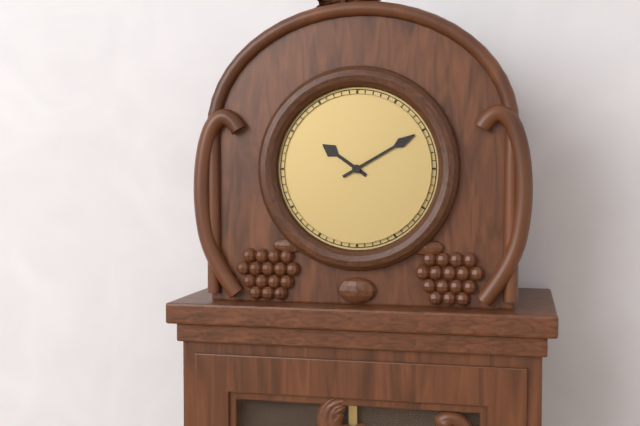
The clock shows 10.10
